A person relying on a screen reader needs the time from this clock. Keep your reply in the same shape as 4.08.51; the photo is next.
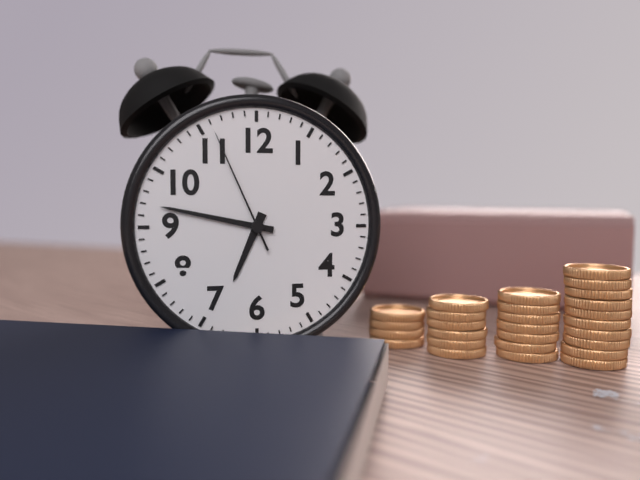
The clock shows 6.47.56
